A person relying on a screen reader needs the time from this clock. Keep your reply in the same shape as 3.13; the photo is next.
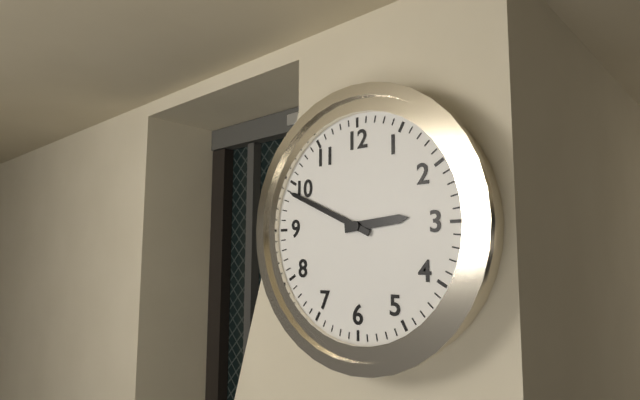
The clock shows 2.49
